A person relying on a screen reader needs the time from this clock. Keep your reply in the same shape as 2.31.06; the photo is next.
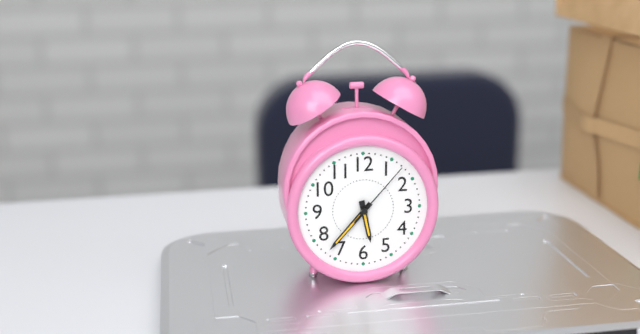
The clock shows 5.37.07
